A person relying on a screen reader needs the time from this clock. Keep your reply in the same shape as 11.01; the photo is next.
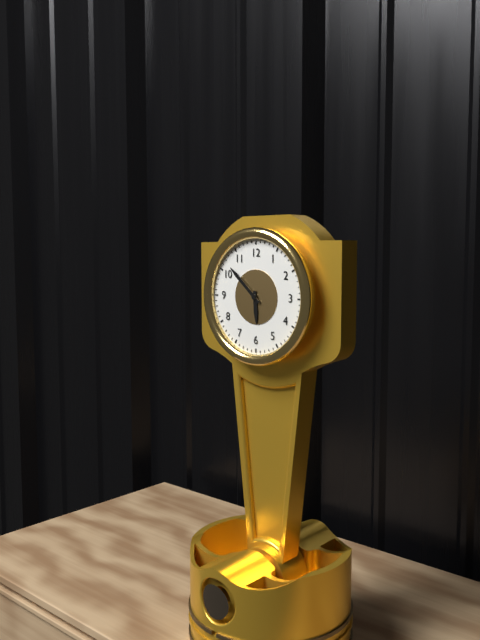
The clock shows 5.52
